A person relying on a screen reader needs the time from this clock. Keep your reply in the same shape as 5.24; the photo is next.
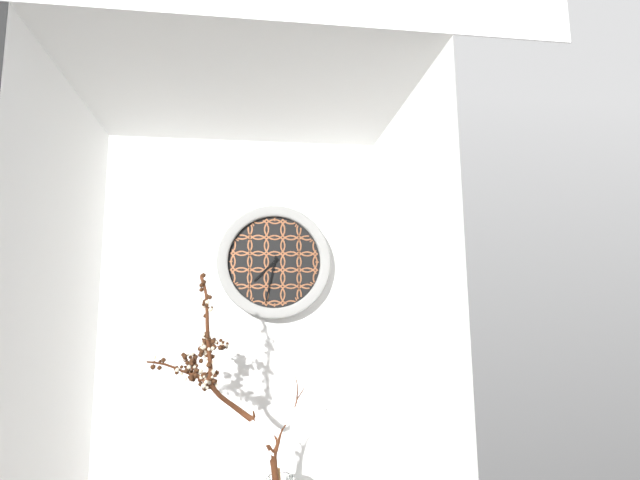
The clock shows 7.32
